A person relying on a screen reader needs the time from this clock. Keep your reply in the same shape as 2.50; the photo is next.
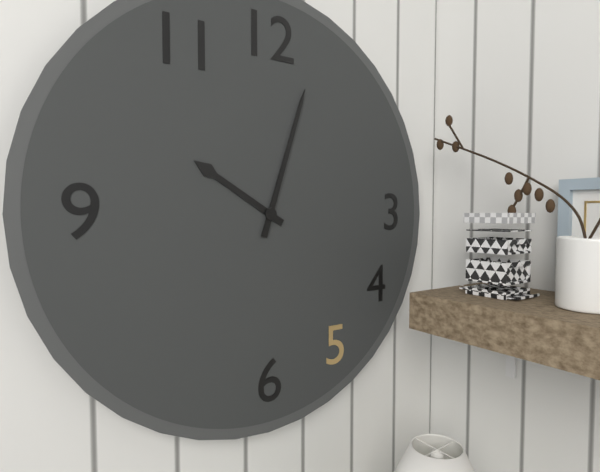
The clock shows 10.03
